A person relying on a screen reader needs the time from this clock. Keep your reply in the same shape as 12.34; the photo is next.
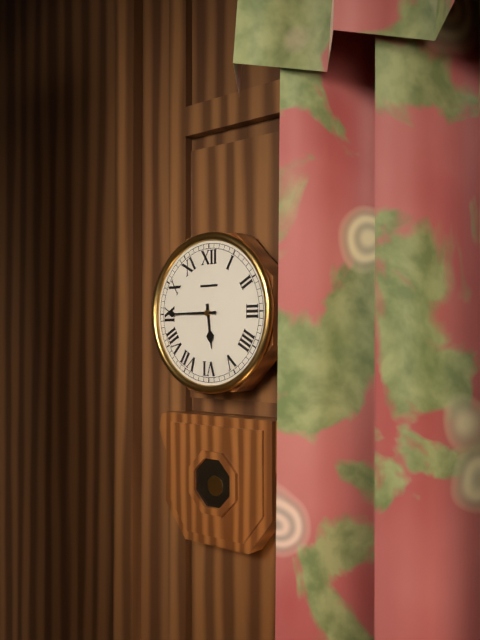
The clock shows 5.45
